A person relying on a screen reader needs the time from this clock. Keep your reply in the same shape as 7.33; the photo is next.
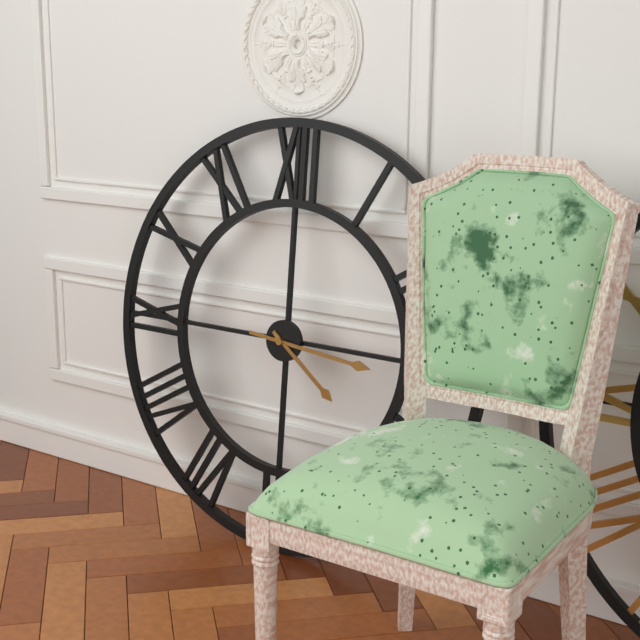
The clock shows 4.16
